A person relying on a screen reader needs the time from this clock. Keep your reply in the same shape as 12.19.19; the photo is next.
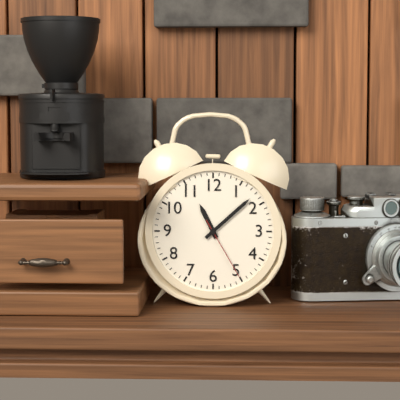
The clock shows 11.08.25
